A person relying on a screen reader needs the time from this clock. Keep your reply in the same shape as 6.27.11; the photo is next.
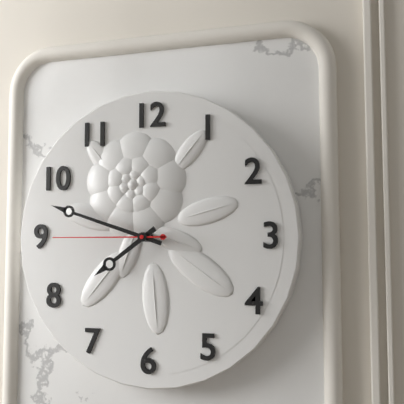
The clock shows 7.48.45
